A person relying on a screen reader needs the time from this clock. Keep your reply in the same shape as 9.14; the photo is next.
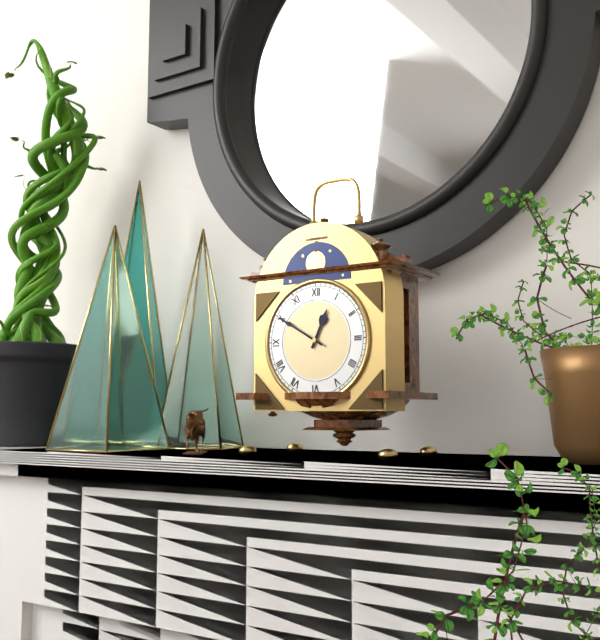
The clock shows 12.50
